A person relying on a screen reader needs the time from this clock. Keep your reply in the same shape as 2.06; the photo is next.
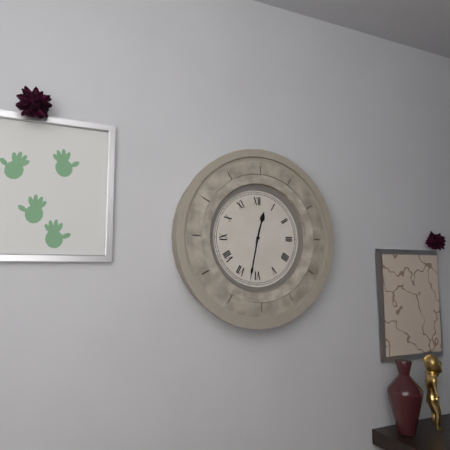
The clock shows 12.32
